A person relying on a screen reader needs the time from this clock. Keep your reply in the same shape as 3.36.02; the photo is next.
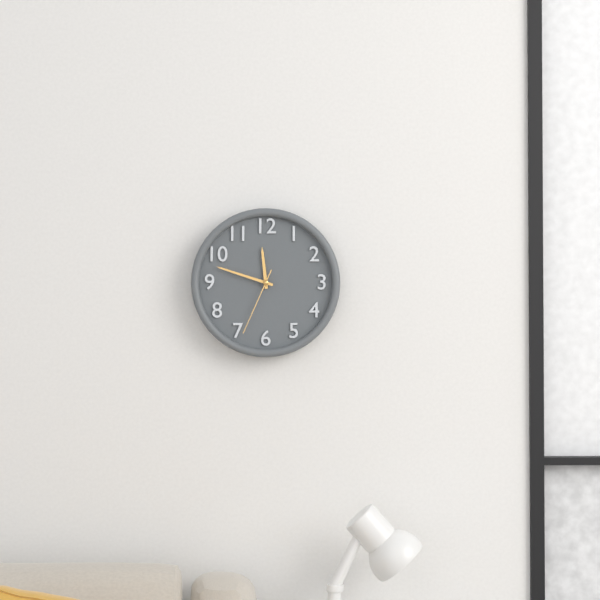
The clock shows 11.48.34
